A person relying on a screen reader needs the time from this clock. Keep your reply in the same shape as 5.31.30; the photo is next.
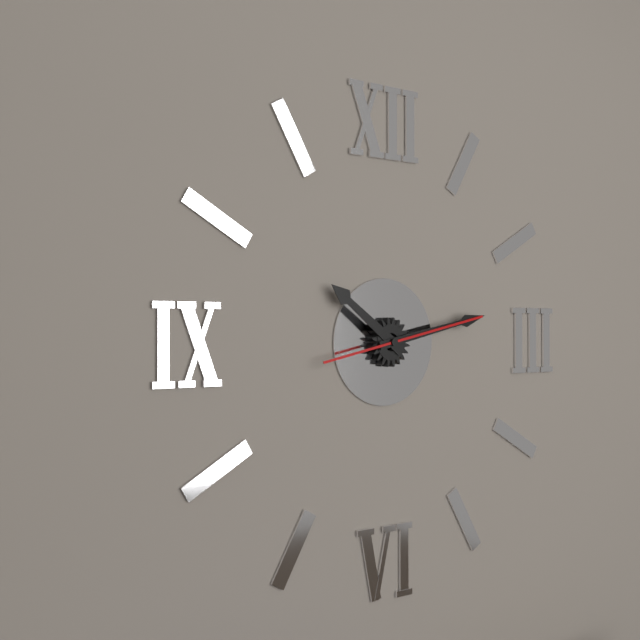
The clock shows 10.13.13
